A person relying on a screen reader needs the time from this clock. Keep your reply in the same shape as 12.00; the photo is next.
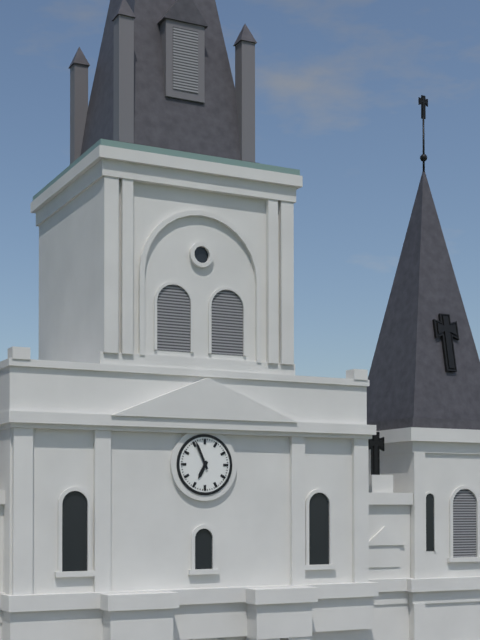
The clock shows 6.56
